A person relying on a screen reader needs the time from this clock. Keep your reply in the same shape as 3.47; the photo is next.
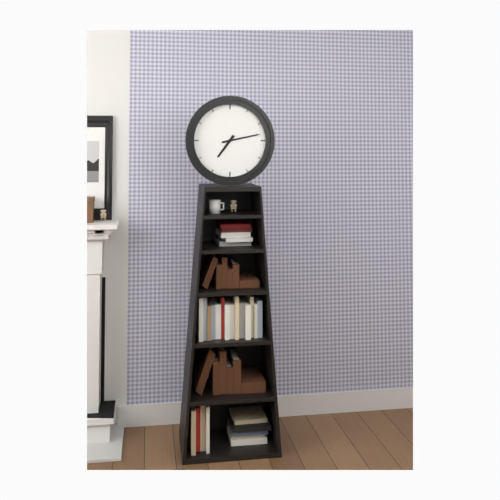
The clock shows 7.13
